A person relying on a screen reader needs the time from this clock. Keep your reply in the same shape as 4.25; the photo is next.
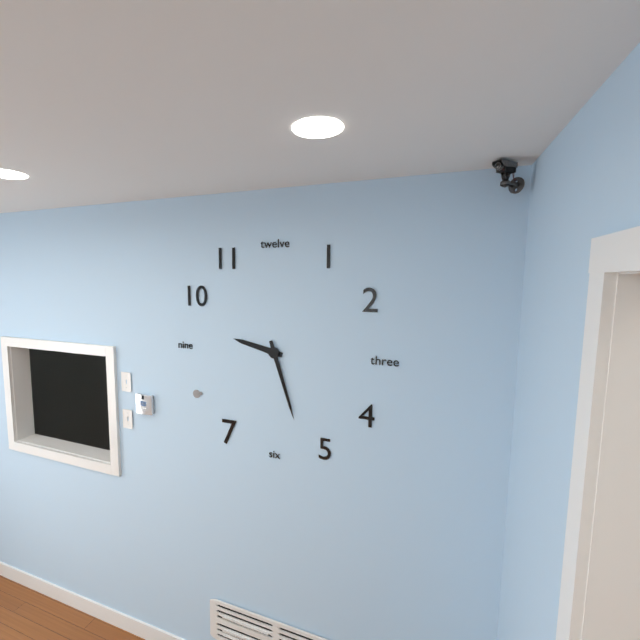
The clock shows 9.27
